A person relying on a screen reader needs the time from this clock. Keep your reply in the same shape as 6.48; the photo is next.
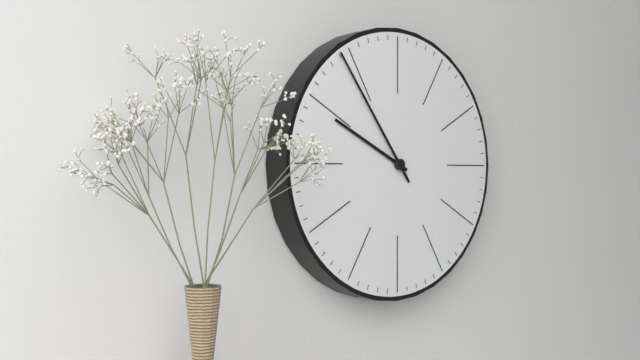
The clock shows 9.54
